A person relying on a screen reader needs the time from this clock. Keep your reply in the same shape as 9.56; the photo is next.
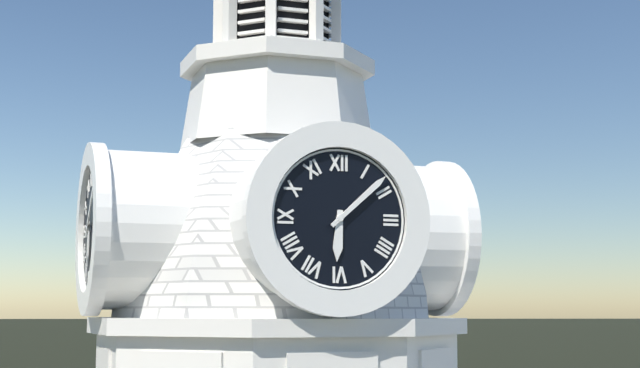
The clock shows 6.08
